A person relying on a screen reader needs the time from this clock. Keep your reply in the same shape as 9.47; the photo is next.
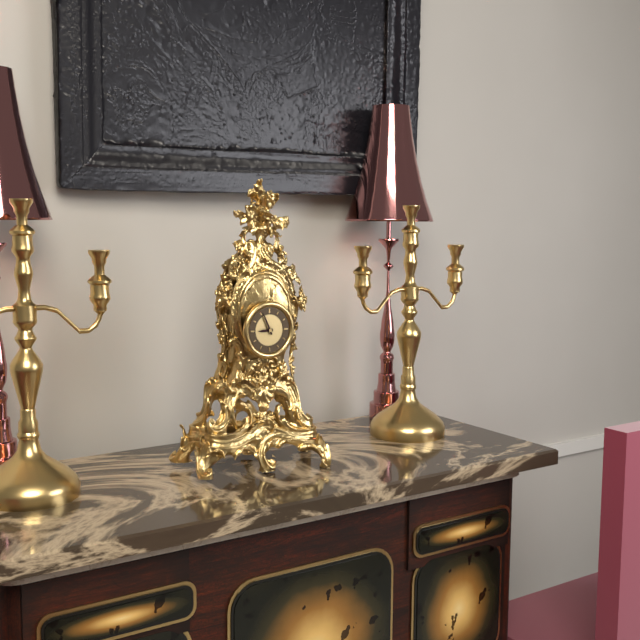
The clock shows 8.56
